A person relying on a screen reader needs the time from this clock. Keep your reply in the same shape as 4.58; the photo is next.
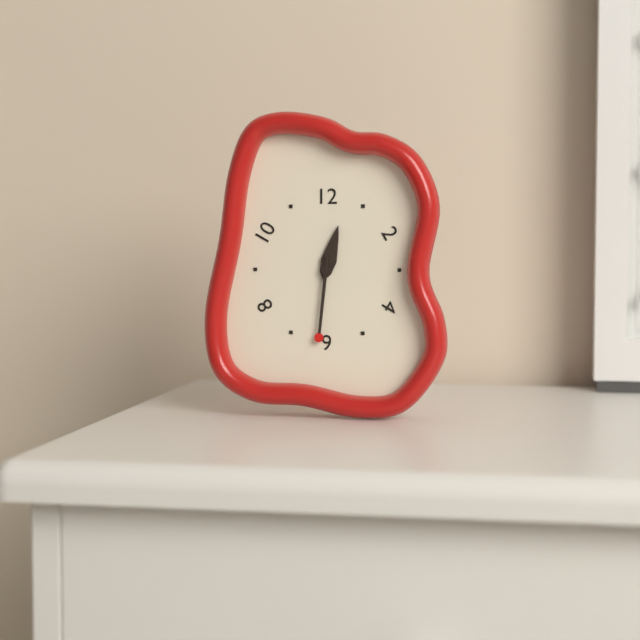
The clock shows 12.31
